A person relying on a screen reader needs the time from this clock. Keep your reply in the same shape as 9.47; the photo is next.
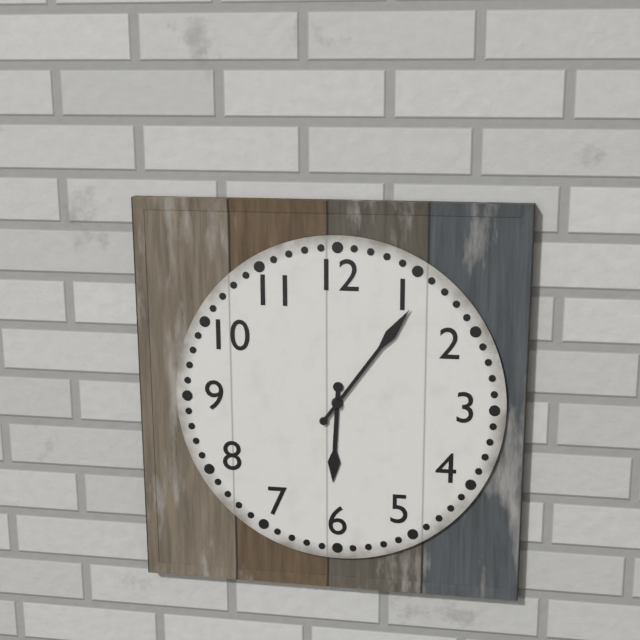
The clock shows 6.06
